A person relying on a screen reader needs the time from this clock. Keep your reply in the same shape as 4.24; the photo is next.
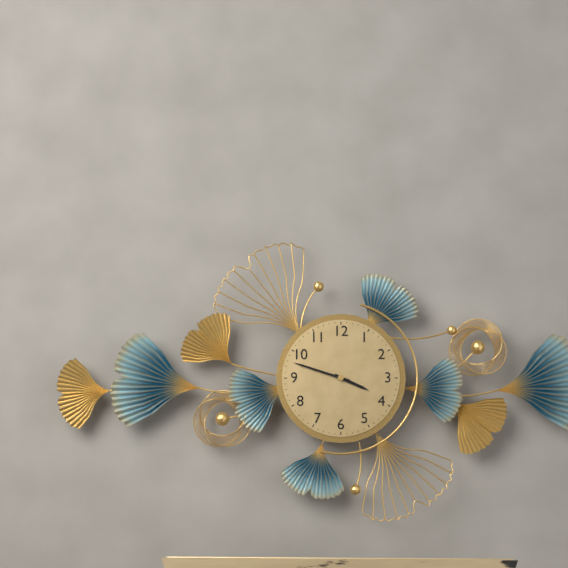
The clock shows 3.48
